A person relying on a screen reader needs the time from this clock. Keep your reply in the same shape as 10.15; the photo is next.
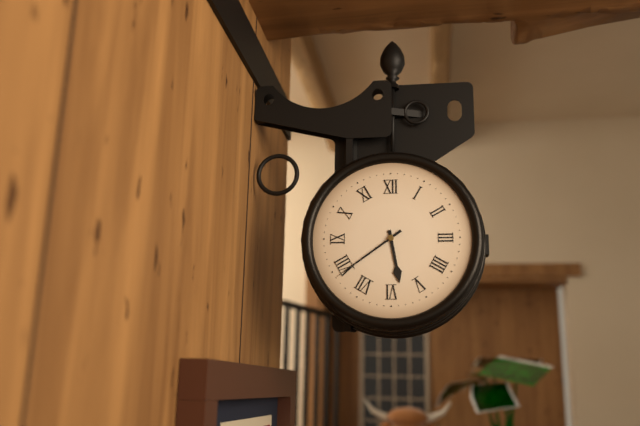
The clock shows 5.39
